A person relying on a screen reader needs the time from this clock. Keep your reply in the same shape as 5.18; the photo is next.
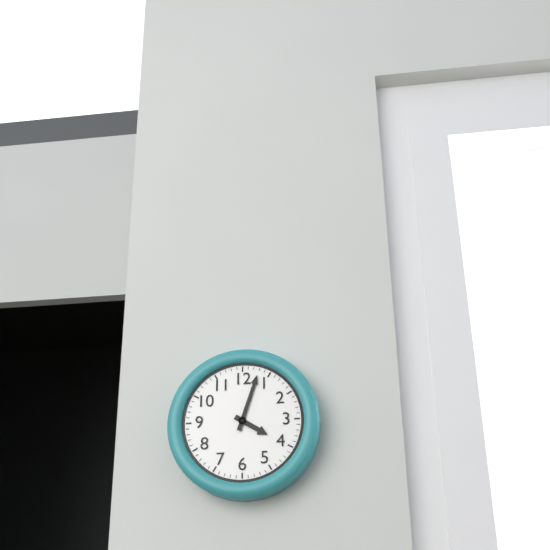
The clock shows 4.03
